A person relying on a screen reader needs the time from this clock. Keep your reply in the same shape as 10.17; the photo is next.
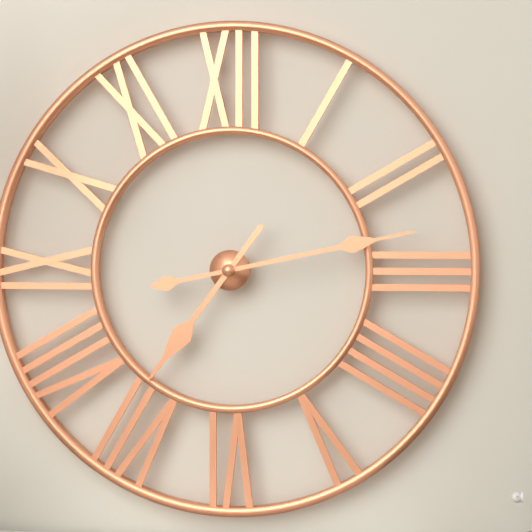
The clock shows 7.13
